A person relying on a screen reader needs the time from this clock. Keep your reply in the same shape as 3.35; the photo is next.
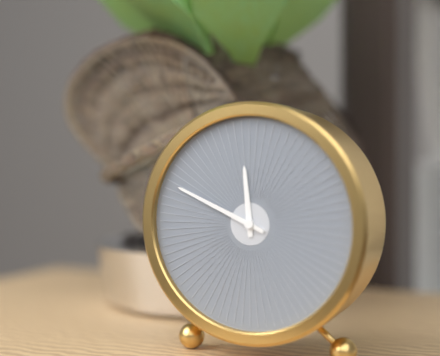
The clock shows 11.49
